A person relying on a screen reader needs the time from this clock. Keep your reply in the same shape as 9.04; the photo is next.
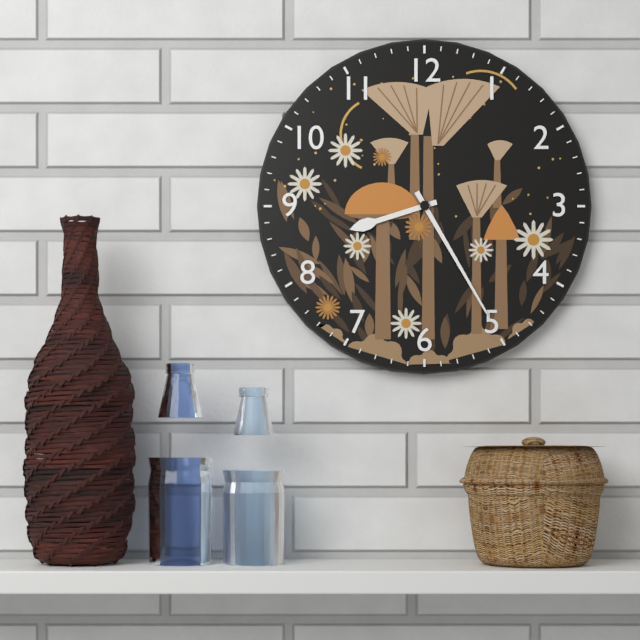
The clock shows 8.25
